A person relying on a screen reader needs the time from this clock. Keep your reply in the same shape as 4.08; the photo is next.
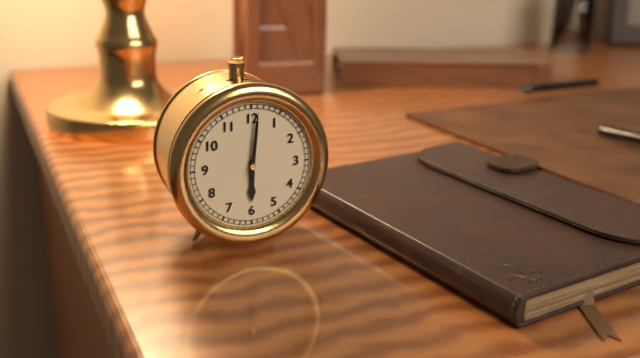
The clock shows 6.01
